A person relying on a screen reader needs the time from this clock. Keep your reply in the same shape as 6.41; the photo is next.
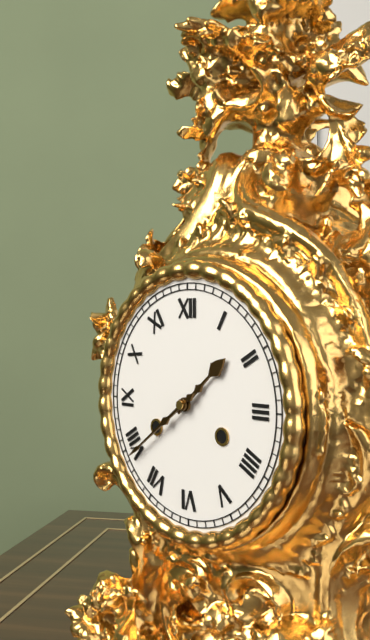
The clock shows 1.39
